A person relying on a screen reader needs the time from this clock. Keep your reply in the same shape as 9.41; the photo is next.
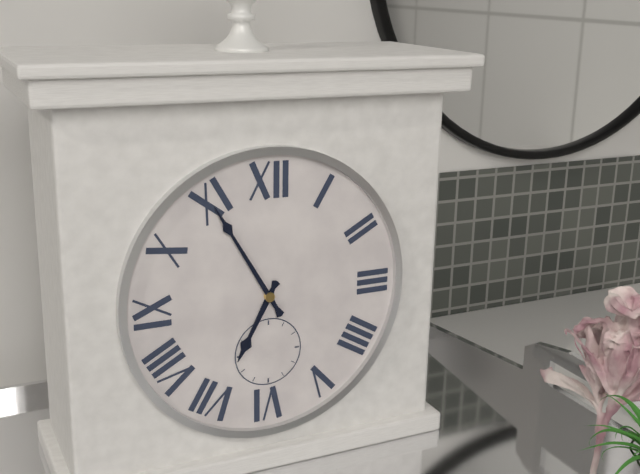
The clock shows 6.55
